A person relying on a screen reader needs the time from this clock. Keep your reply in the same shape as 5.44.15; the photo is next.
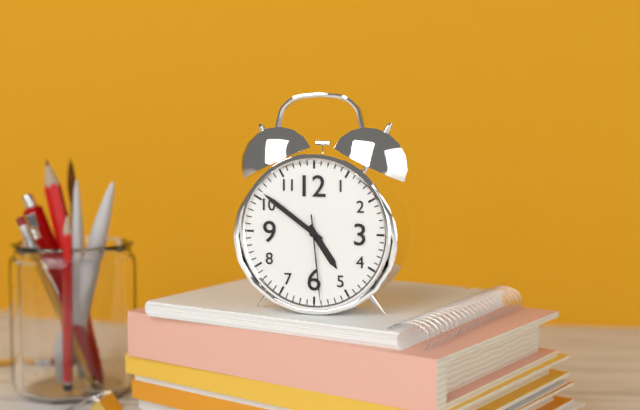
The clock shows 4.51.29
